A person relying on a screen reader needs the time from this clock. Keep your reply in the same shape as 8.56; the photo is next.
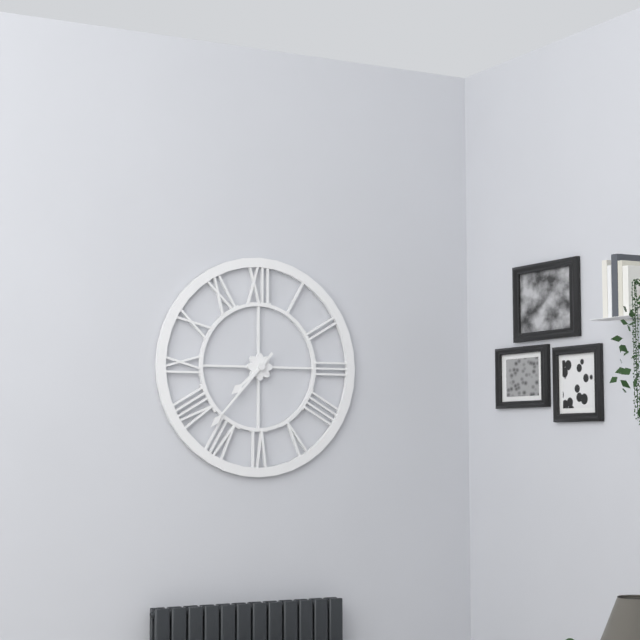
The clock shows 7.37
